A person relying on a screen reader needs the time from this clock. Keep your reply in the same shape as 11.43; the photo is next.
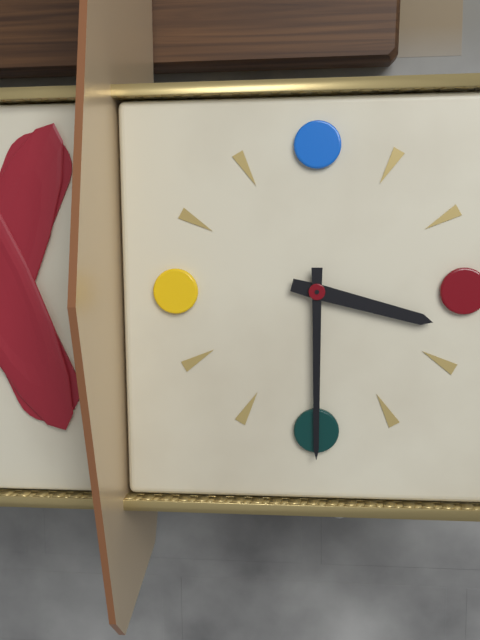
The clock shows 3.30
